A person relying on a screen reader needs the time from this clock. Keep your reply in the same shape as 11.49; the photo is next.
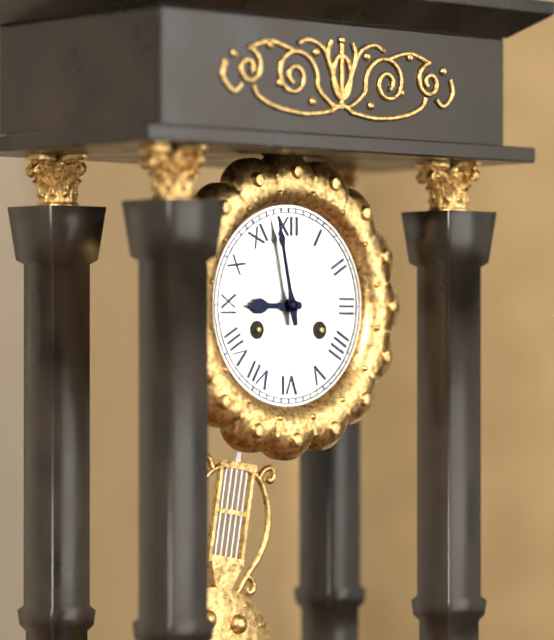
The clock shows 8.58
